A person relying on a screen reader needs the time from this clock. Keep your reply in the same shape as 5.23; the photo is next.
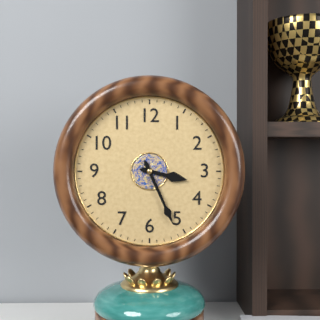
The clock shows 3.26
